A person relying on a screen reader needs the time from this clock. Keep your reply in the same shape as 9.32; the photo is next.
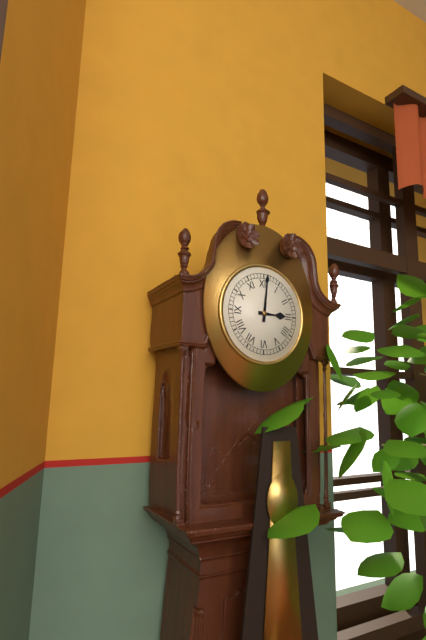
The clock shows 3.01
